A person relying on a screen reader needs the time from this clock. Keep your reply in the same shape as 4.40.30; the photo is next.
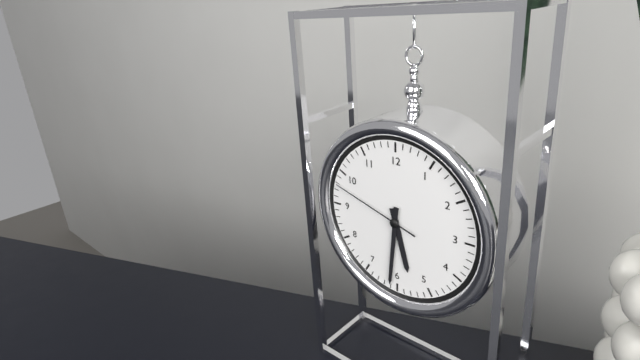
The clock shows 5.31.48
